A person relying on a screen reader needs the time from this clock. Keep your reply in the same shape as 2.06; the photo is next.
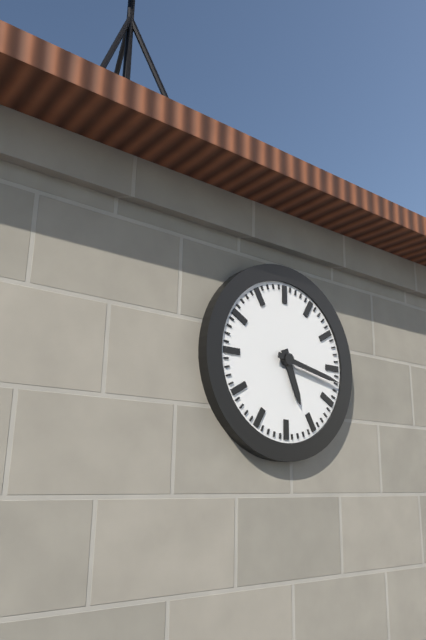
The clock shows 5.17
